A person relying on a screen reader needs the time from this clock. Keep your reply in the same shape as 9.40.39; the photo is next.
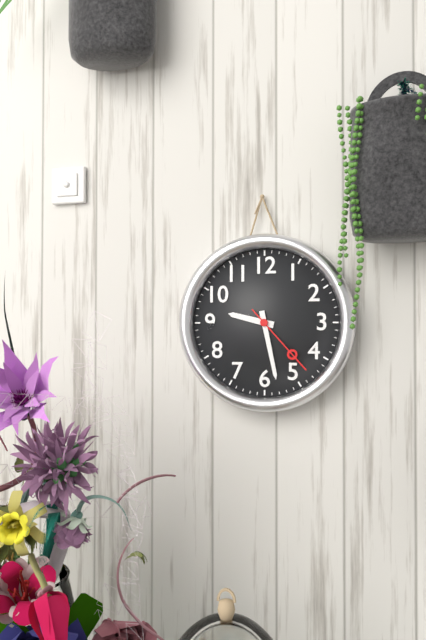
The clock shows 9.28.23
